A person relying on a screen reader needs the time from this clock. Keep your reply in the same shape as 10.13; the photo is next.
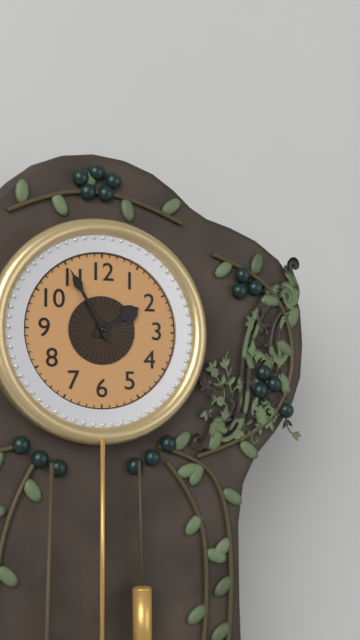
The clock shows 1.55
